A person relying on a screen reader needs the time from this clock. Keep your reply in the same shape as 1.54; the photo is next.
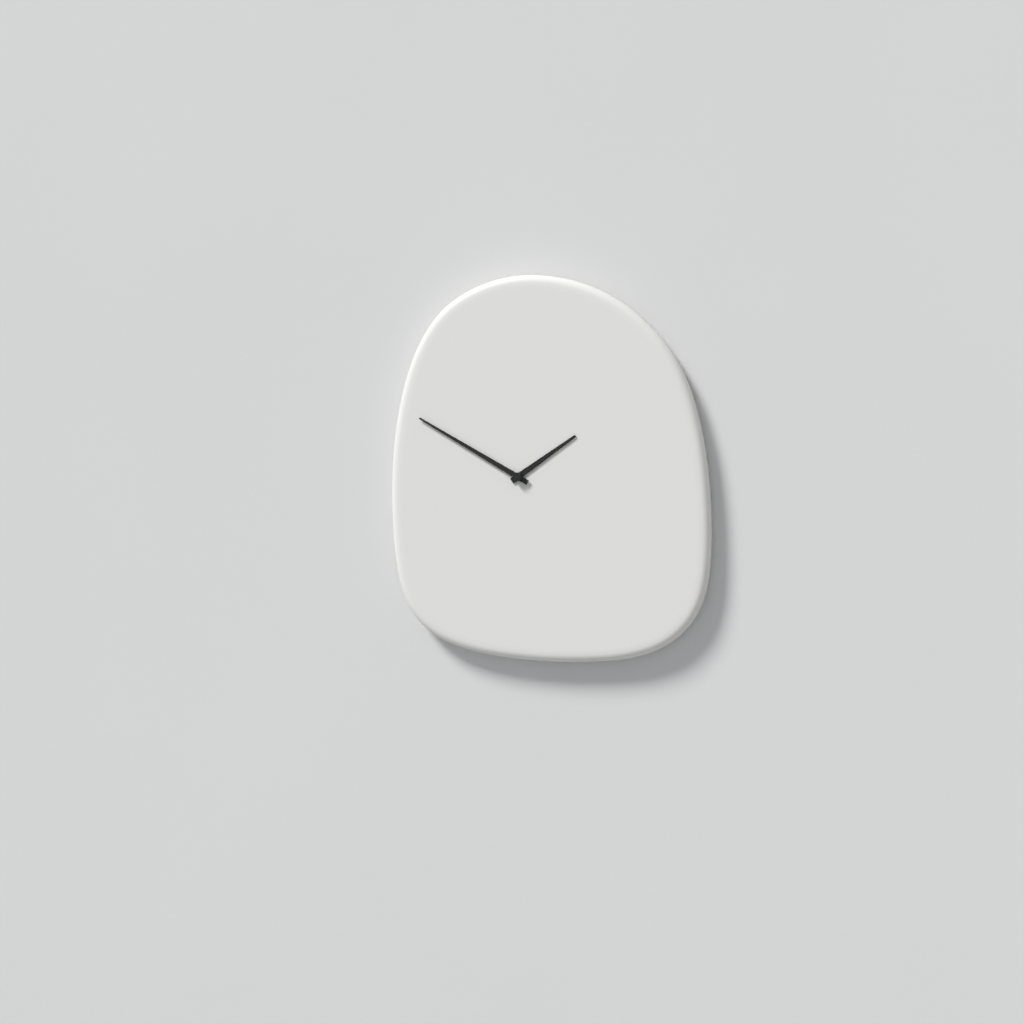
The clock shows 1.50
